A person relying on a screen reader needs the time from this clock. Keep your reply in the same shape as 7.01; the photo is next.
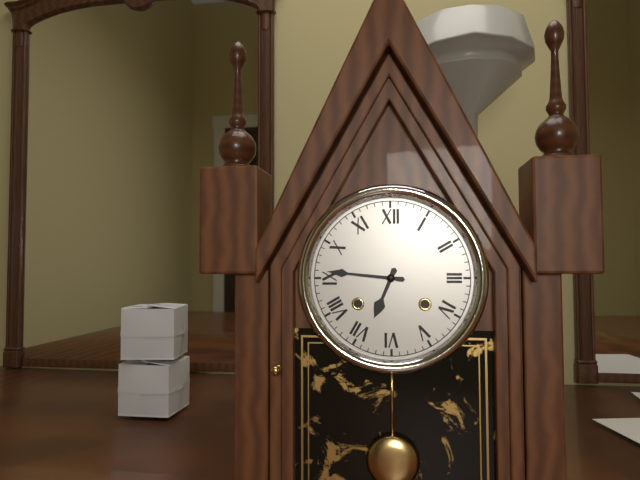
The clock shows 6.46
